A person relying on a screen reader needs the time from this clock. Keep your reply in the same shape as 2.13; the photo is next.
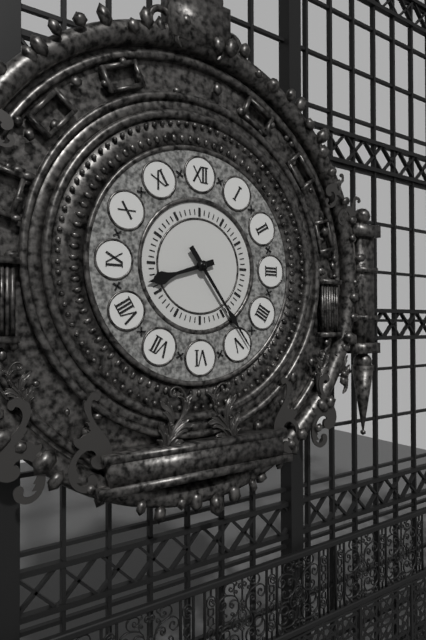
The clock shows 8.24
